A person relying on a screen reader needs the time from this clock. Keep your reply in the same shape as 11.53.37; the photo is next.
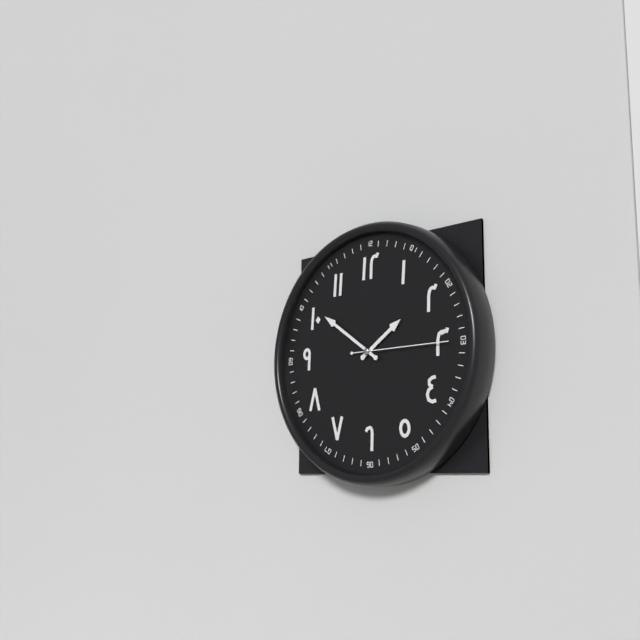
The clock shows 1.51.15
